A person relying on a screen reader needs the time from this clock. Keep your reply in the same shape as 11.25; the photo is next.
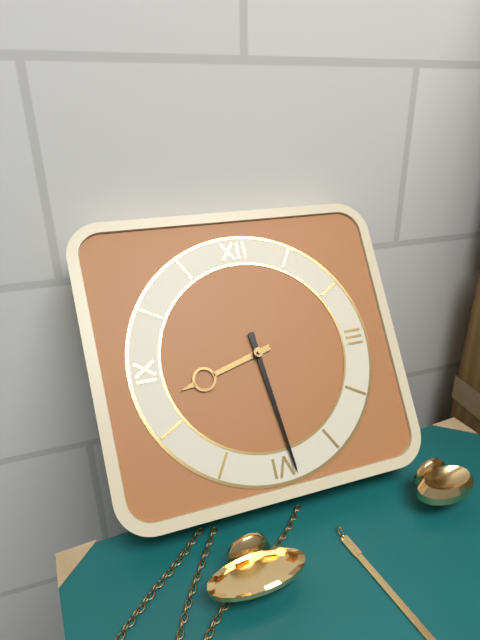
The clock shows 8.29
